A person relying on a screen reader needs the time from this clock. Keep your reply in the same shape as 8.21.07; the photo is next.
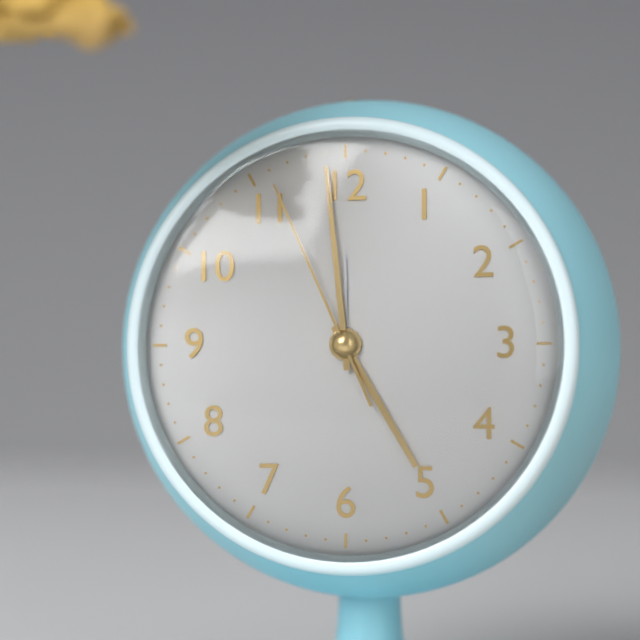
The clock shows 4.59.56
